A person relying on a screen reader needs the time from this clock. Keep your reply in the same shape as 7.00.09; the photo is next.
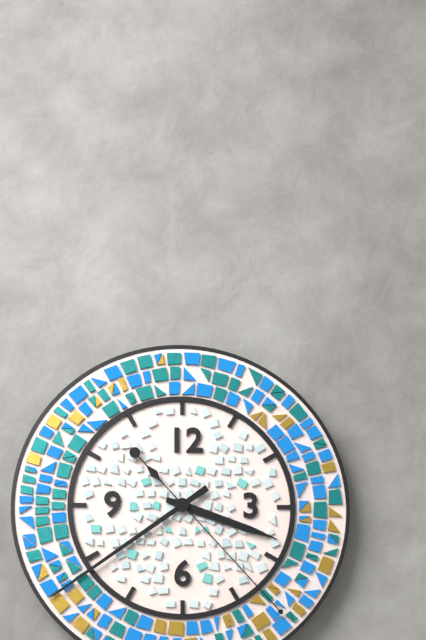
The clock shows 3.39.23
